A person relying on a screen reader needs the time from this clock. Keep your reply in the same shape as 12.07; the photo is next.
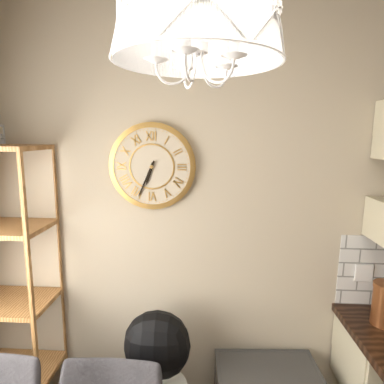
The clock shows 6.34
